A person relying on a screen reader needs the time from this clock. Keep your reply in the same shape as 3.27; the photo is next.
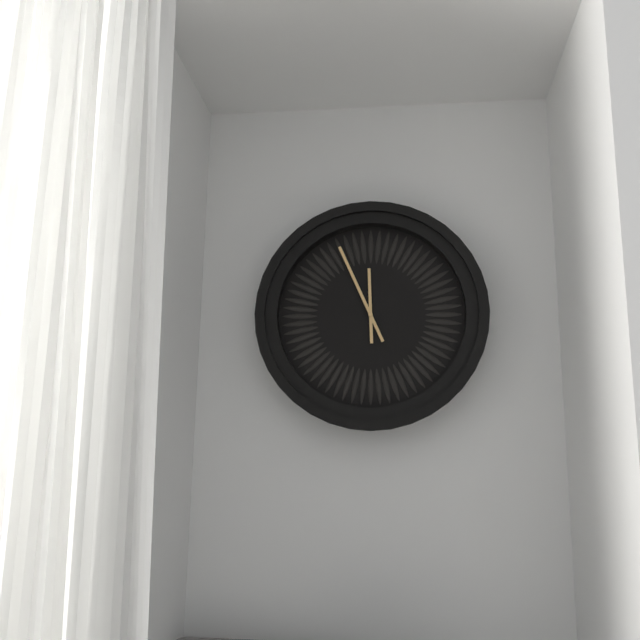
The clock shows 11.56
